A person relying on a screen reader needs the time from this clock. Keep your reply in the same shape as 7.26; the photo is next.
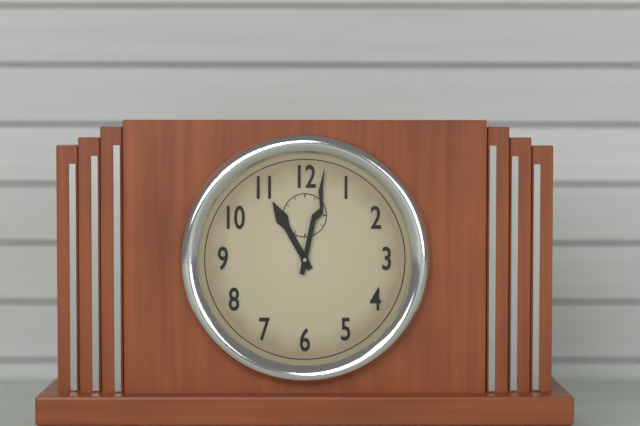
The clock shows 11.02
